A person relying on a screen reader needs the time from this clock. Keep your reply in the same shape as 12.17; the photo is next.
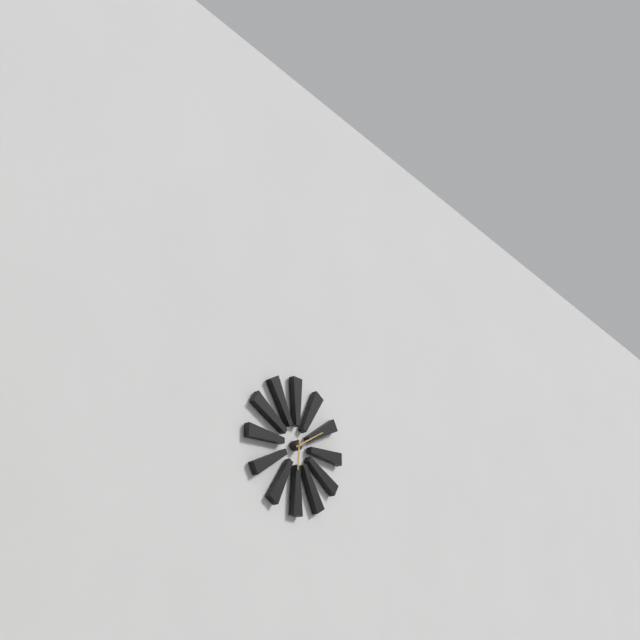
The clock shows 6.10
